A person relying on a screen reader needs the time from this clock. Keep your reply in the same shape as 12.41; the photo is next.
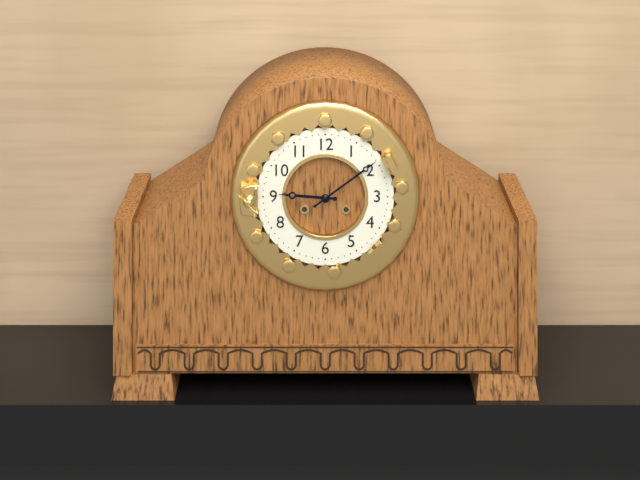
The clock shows 9.09
